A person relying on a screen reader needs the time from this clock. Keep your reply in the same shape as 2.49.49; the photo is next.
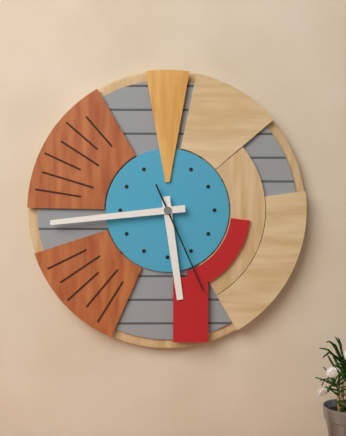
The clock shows 5.44.26
